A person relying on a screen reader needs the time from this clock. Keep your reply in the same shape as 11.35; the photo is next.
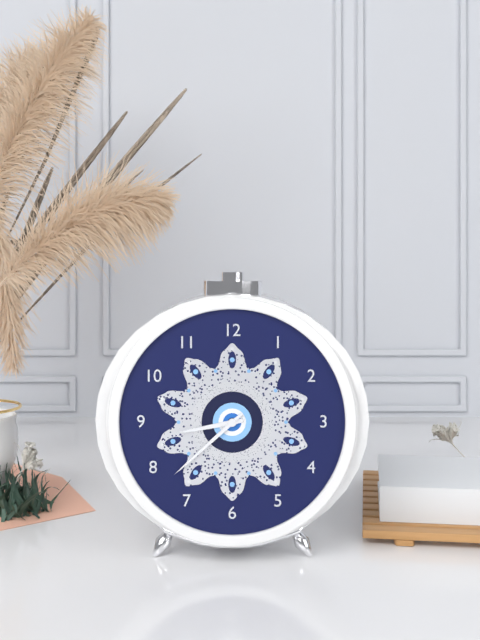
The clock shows 8.38
